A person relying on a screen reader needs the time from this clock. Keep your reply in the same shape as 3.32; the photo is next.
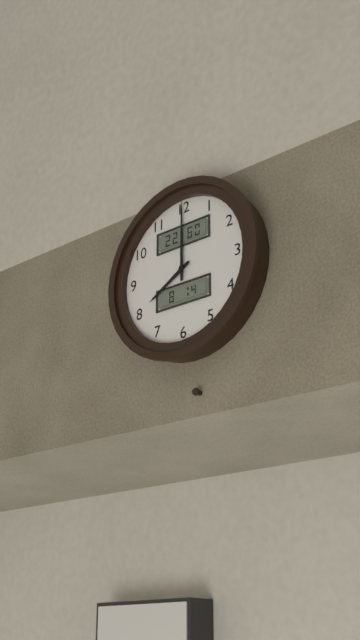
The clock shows 8.00
